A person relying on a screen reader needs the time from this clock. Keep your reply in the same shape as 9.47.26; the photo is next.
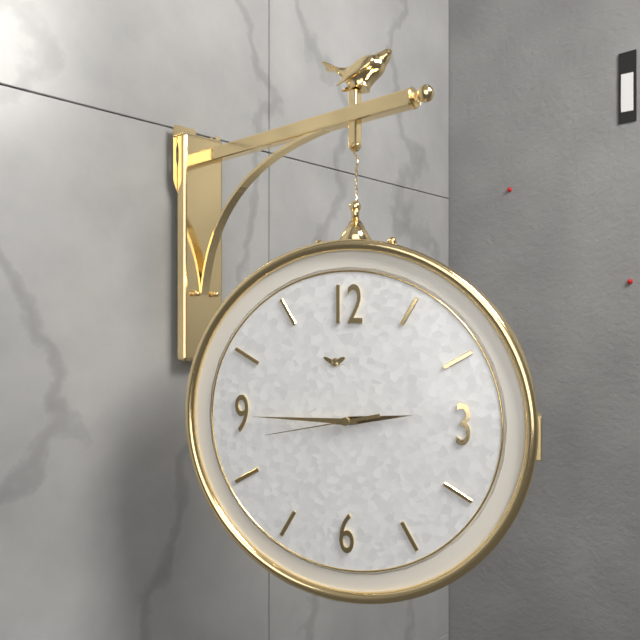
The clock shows 2.45.43
